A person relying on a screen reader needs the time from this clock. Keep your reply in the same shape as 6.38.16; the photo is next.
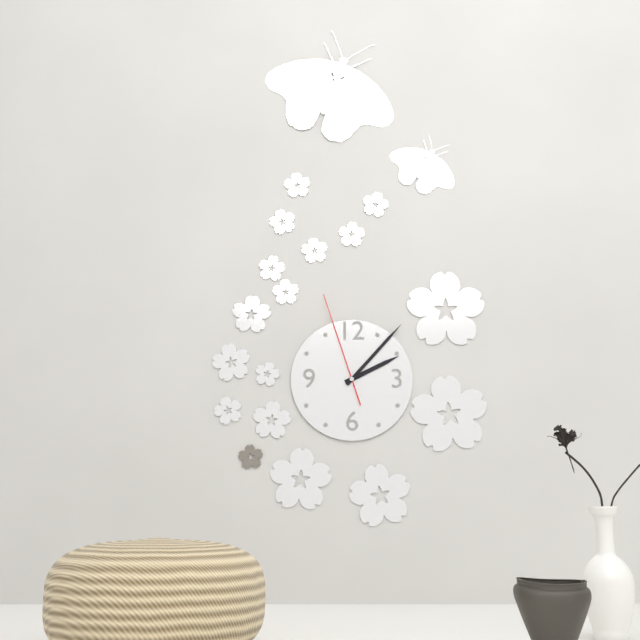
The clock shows 2.07.57
